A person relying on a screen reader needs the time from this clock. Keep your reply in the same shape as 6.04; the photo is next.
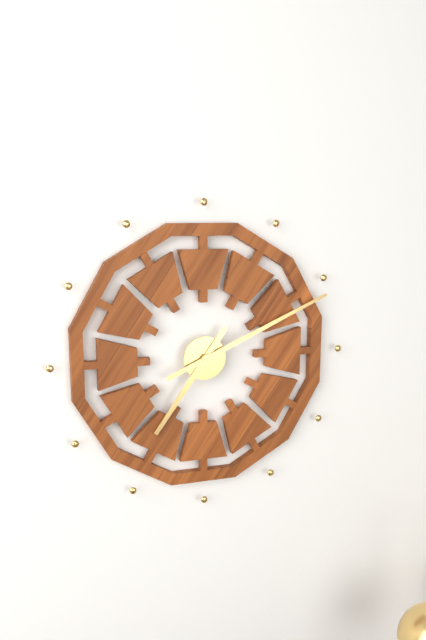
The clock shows 7.11
